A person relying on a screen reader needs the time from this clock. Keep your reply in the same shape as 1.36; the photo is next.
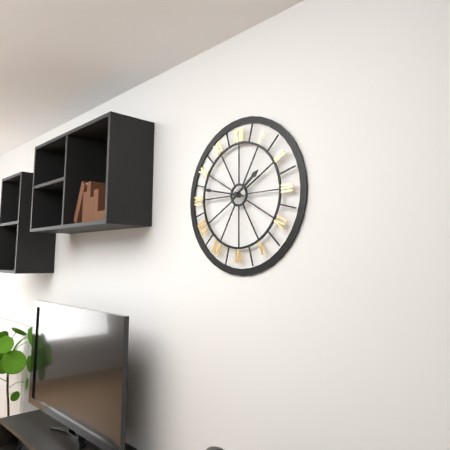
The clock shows 1.47
